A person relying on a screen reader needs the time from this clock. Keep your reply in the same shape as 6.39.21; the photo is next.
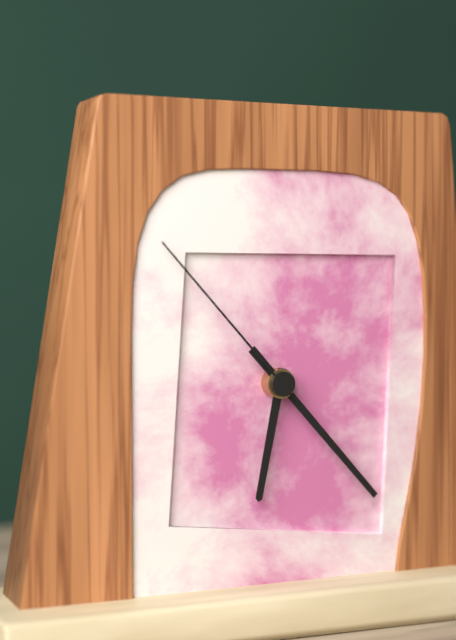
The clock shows 6.23.53
